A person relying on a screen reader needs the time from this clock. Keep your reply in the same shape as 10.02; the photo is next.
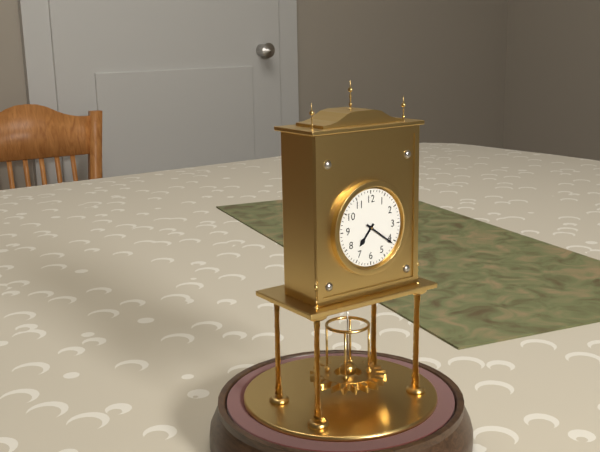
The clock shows 7.21
